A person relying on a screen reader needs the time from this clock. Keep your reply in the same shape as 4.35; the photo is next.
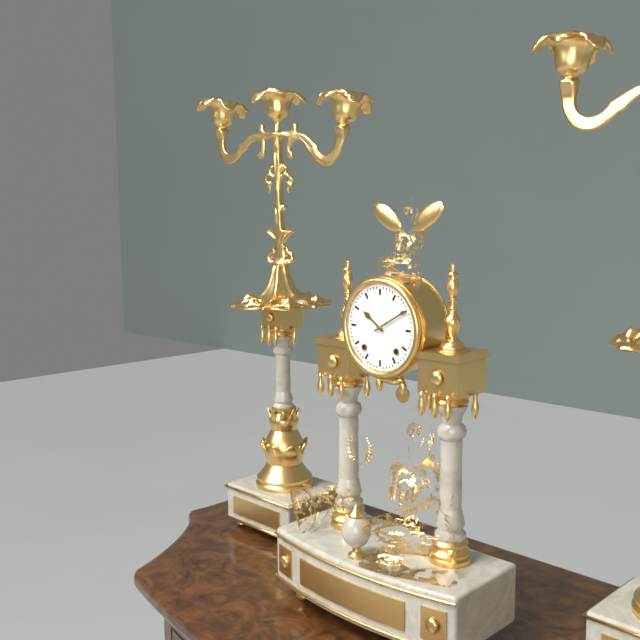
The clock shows 10.10
